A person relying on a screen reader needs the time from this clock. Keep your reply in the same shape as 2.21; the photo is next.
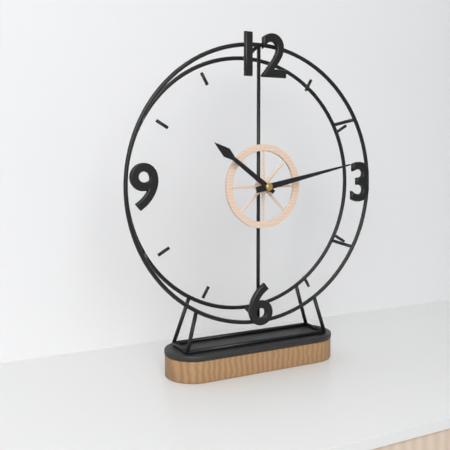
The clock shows 10.13
